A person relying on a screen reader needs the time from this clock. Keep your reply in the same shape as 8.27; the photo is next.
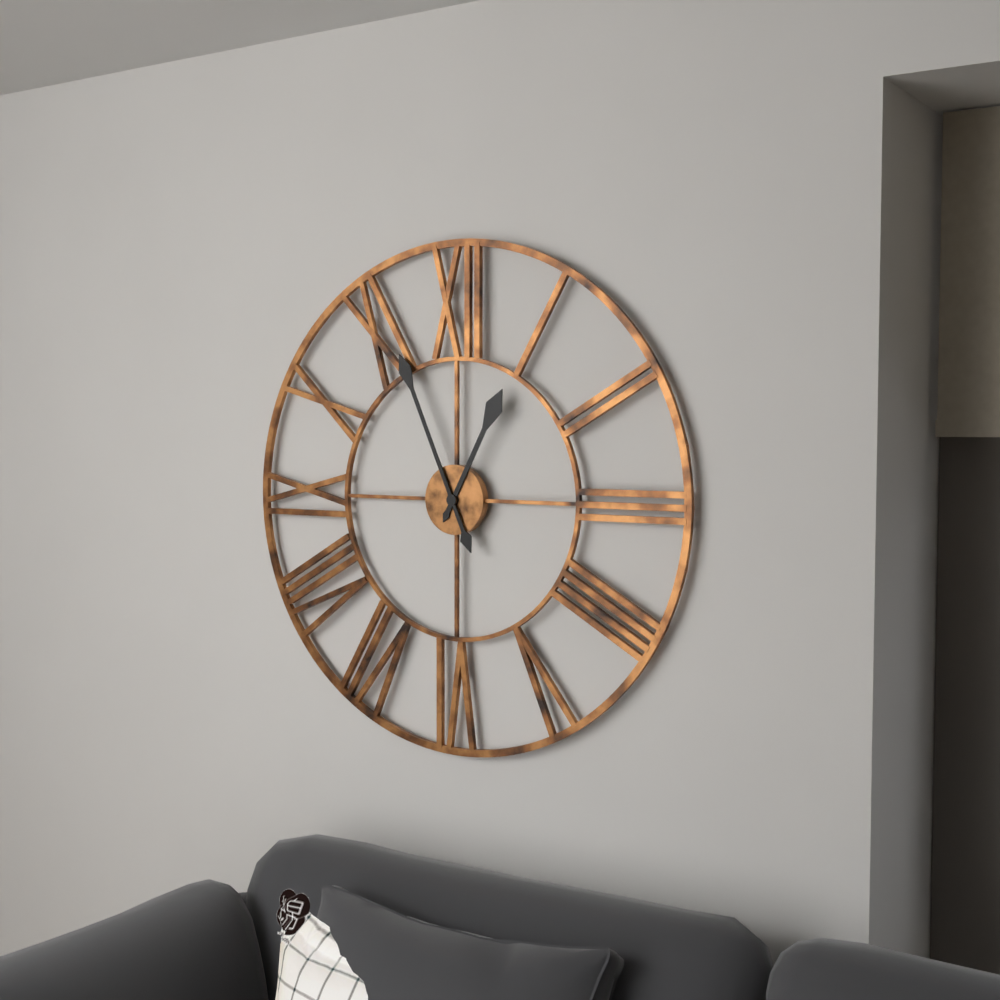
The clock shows 12.56
